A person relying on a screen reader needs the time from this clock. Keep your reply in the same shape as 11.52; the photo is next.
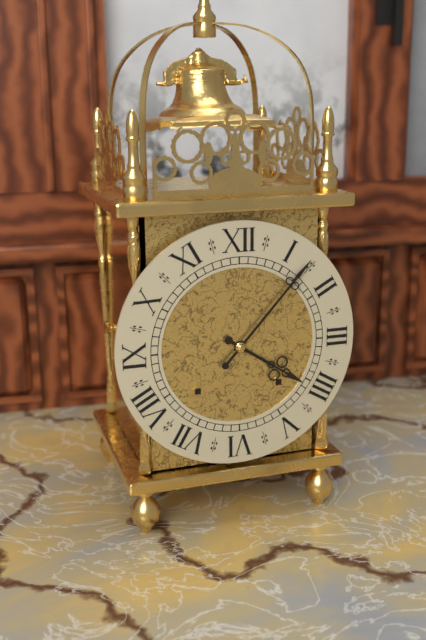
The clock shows 4.07
